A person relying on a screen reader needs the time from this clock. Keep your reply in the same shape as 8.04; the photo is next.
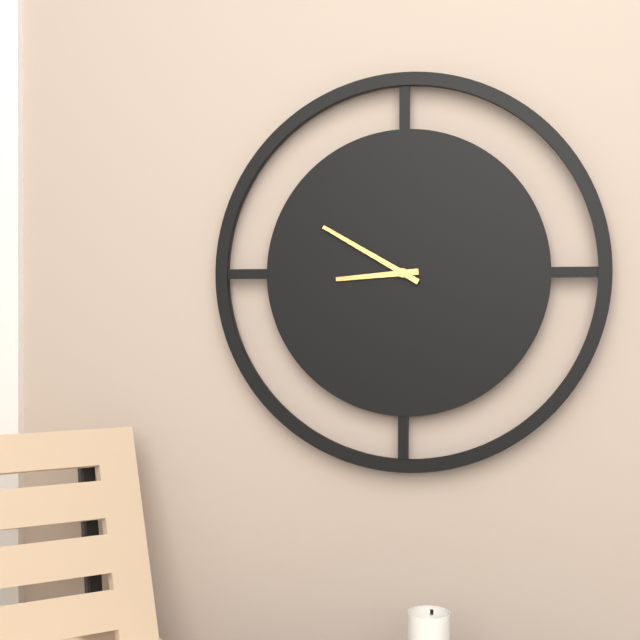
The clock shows 8.50
